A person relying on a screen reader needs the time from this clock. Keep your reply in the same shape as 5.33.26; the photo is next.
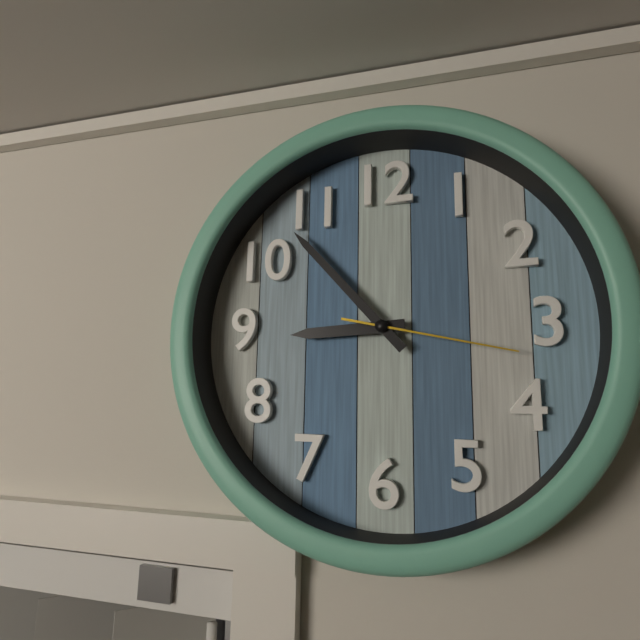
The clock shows 8.53.17
